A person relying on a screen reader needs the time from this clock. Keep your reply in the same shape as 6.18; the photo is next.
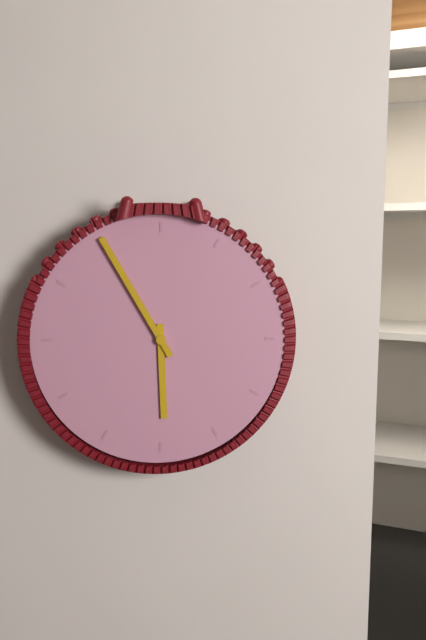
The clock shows 5.55
